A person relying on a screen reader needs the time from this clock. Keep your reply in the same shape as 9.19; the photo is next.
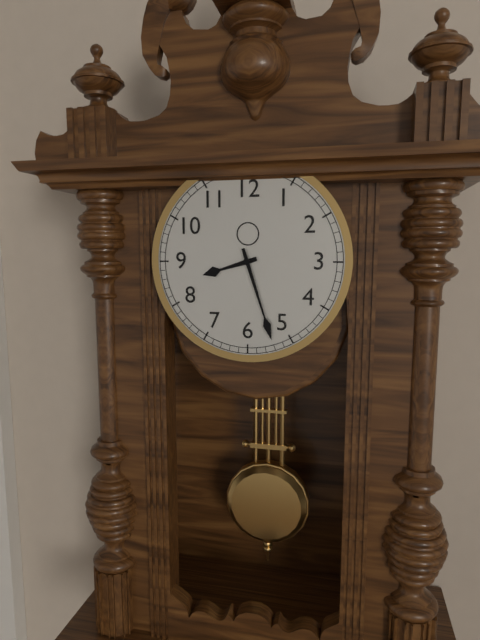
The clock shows 8.27
